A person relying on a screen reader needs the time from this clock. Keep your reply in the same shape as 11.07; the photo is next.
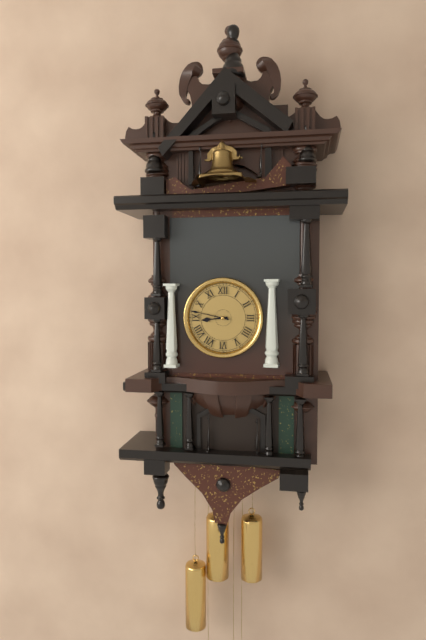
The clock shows 8.47
